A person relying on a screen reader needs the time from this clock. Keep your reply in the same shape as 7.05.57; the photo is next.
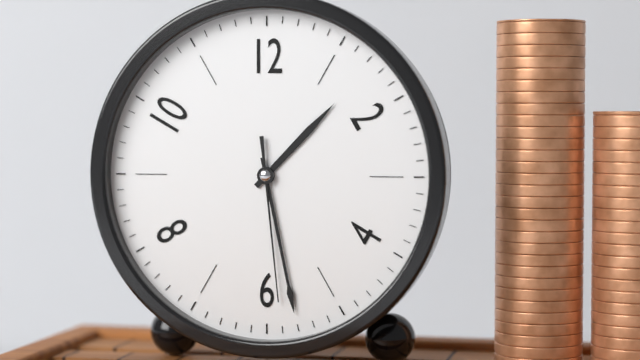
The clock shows 1.28.29
